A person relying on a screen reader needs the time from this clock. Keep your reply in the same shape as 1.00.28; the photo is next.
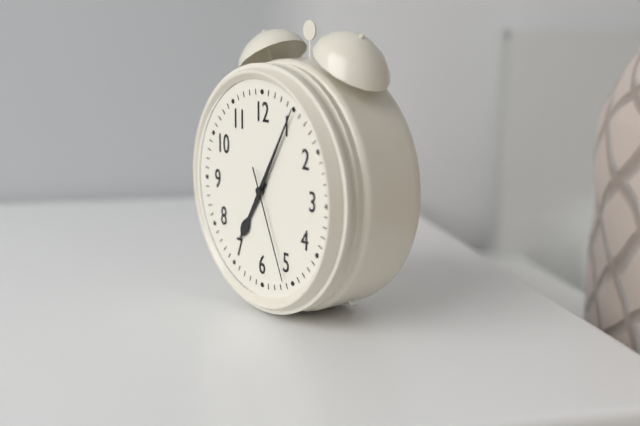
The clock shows 7.05.26
